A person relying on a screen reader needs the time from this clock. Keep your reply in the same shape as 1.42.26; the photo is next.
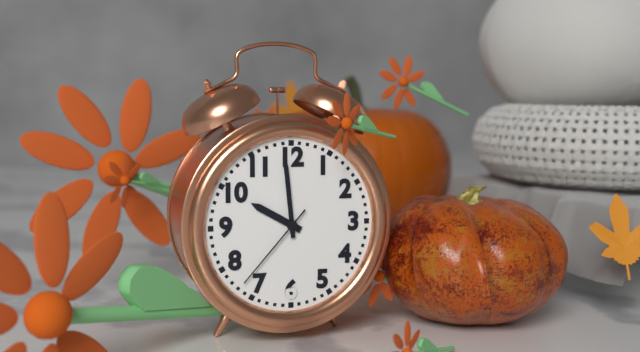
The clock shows 9.59.37
